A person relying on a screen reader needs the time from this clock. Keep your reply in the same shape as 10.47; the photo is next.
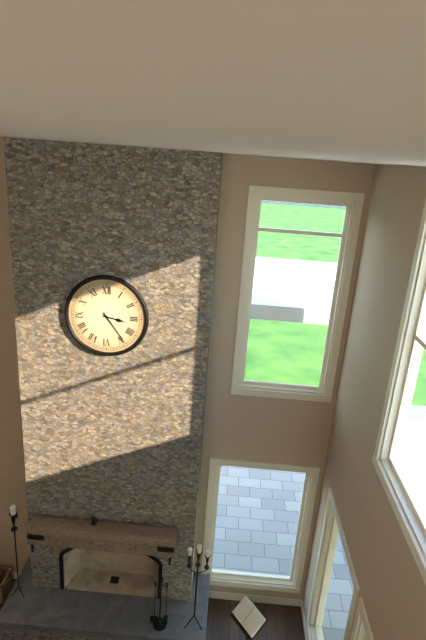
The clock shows 3.24
